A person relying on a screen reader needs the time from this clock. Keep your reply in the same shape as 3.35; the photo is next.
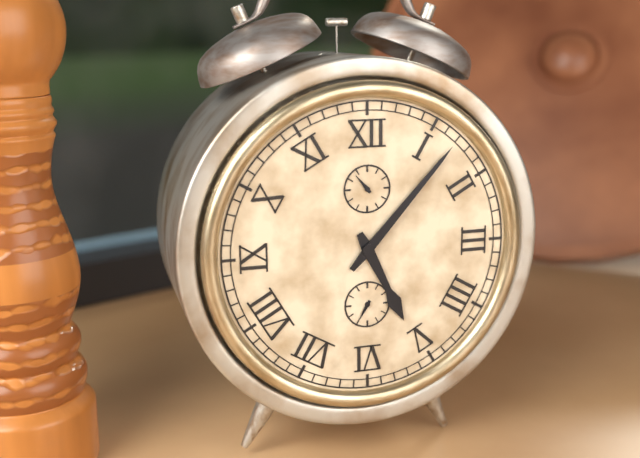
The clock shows 5.07
